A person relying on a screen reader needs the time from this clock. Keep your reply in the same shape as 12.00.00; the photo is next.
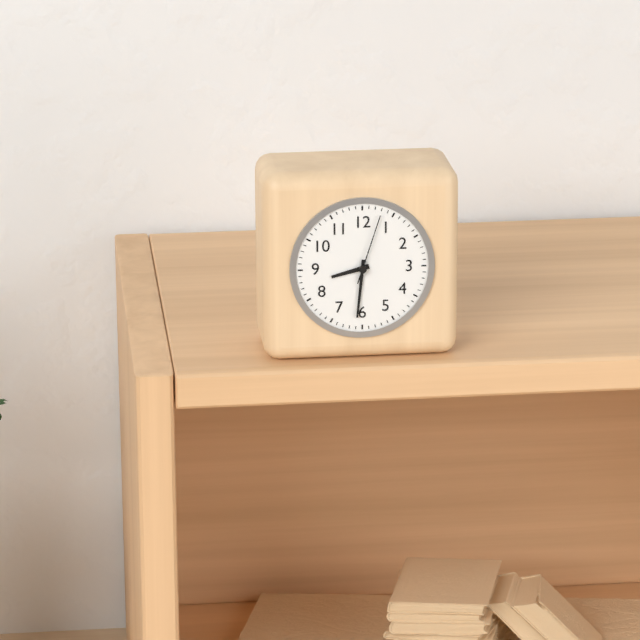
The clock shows 8.31.03
